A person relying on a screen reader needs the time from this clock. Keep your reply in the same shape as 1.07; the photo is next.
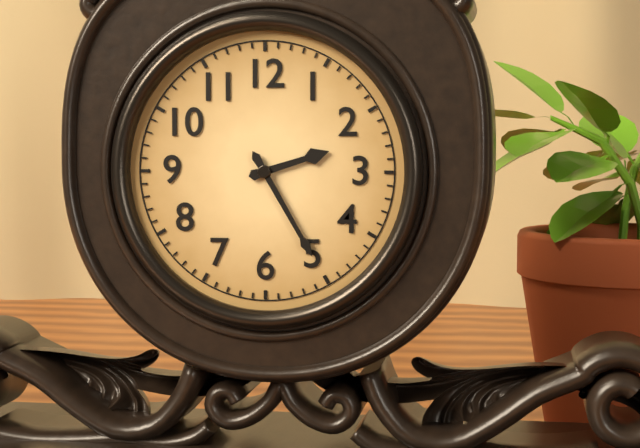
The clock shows 2.25
